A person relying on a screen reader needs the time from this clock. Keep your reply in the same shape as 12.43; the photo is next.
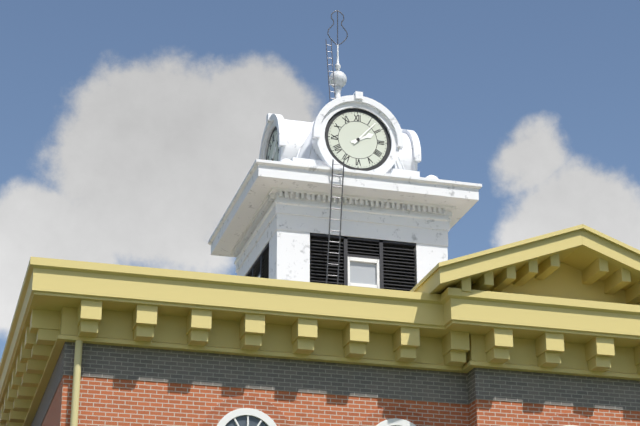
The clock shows 2.07
